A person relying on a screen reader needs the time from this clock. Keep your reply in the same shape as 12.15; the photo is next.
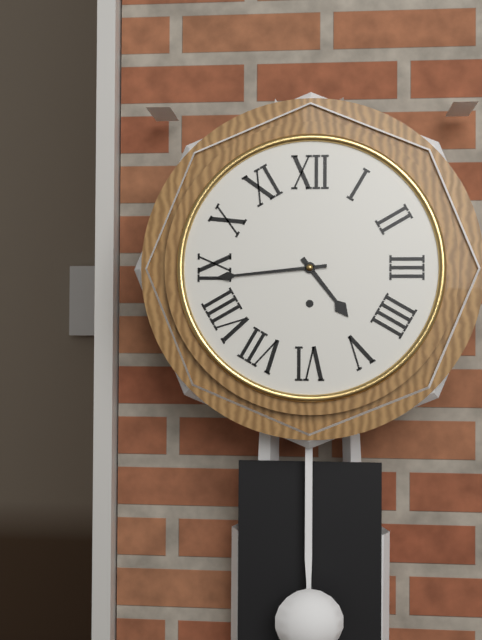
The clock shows 4.44
